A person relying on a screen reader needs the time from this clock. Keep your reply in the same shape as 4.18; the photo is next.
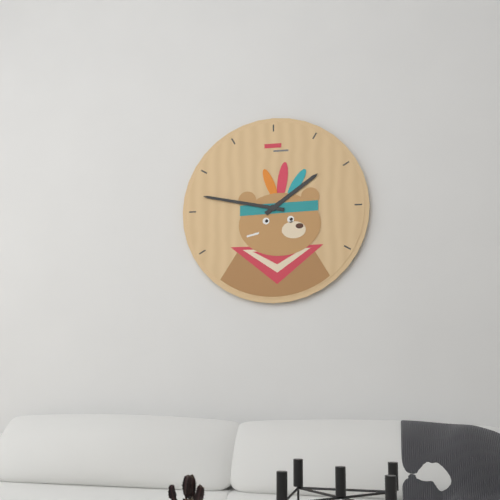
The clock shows 1.47
